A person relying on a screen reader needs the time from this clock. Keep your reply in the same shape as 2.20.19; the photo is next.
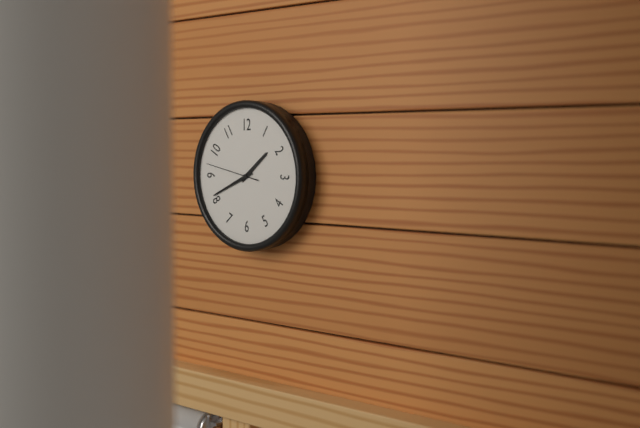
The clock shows 1.41.47
